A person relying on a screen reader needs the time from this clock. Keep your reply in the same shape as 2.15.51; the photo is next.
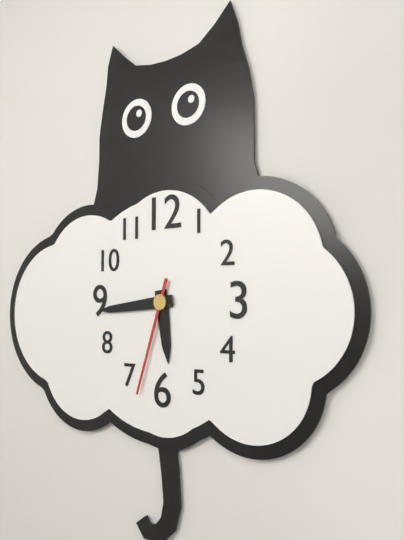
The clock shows 5.44.33
